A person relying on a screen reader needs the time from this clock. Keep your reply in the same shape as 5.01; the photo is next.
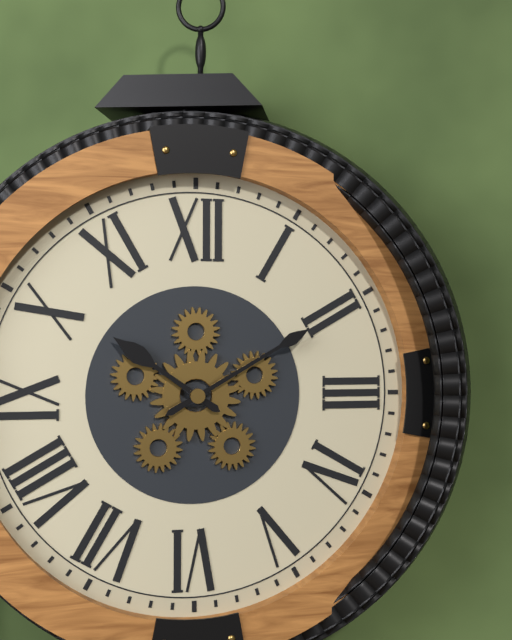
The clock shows 10.10
